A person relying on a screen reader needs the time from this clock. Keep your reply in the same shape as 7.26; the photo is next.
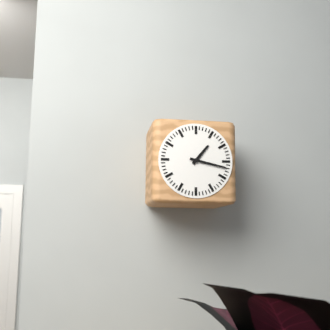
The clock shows 1.17
